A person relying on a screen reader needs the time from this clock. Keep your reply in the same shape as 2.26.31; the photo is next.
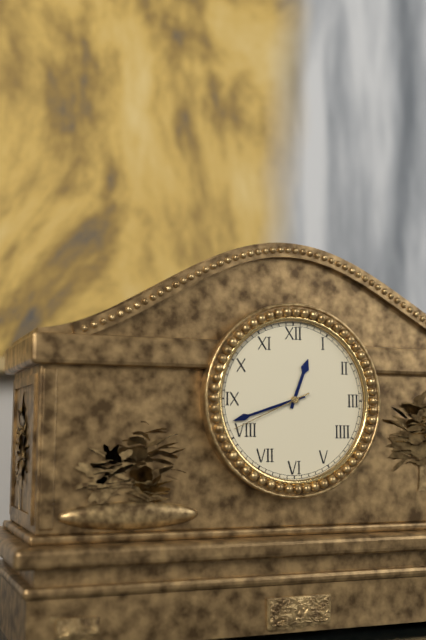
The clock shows 12.42.41
